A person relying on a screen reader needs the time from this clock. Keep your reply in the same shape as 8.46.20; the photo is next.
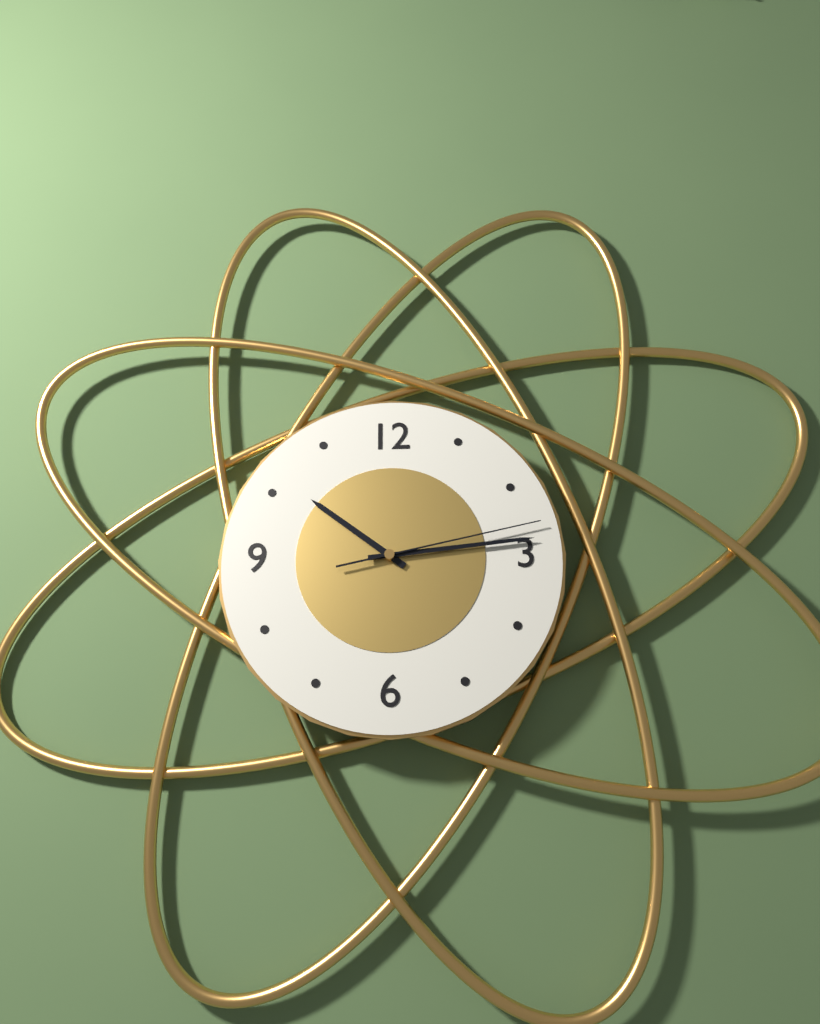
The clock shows 10.14.13
